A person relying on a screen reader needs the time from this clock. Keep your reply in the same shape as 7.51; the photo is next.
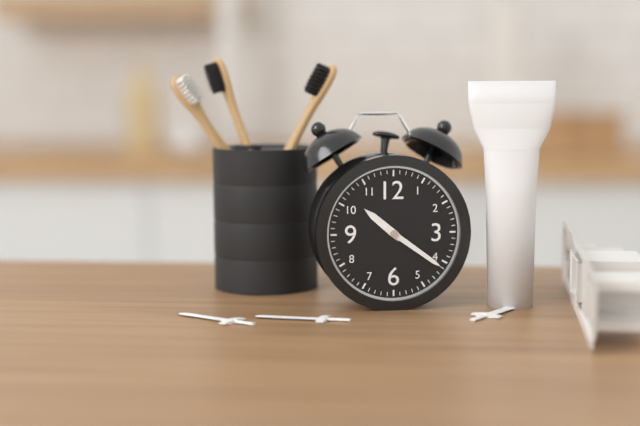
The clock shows 10.21
